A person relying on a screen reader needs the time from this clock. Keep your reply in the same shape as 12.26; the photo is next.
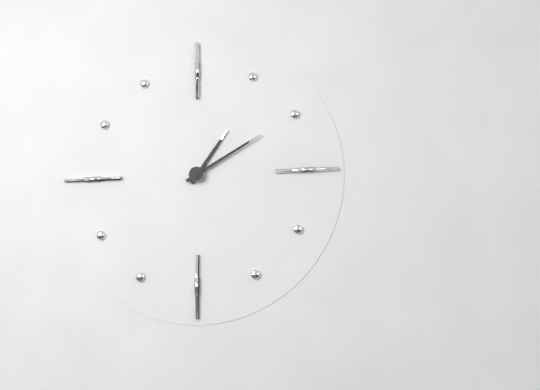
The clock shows 1.10
